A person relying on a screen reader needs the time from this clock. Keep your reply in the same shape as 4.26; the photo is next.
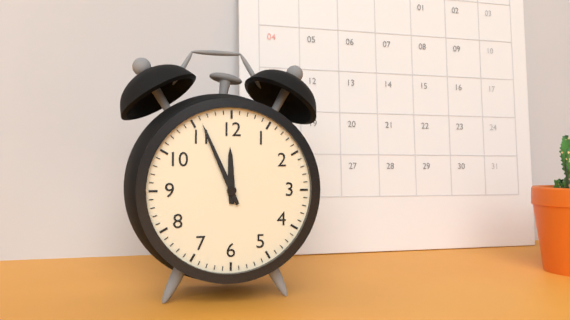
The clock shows 11.56
